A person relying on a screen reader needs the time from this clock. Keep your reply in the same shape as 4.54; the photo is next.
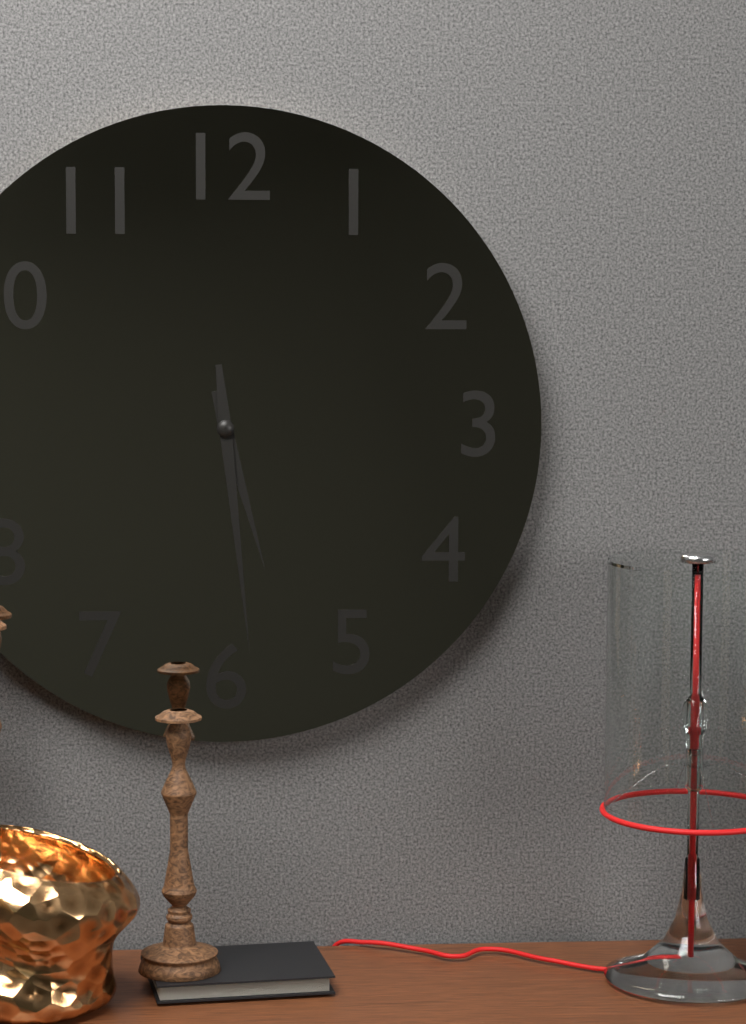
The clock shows 5.29
